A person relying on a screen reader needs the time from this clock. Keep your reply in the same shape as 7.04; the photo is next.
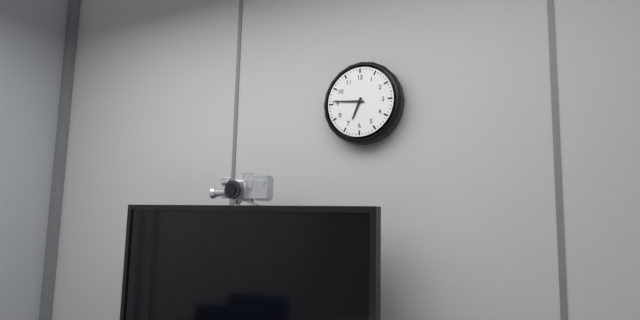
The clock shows 6.46
